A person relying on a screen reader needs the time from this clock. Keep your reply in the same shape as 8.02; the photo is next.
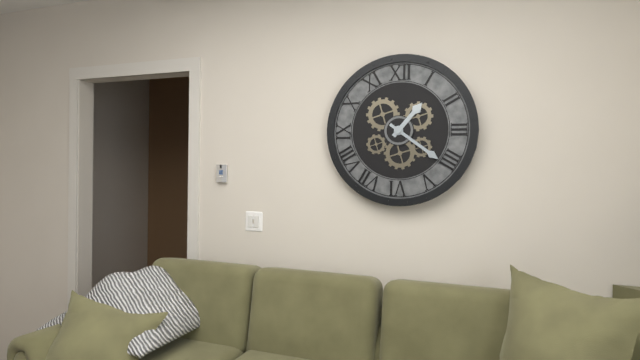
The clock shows 1.21
